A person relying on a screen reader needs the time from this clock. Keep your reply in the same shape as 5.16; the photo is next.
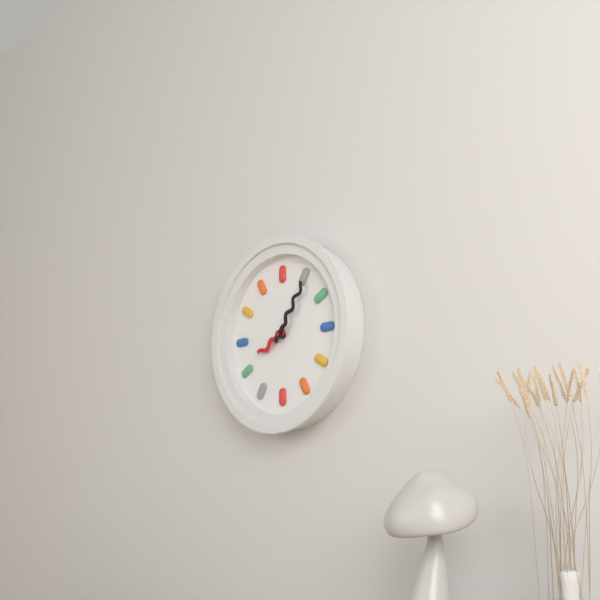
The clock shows 8.06
